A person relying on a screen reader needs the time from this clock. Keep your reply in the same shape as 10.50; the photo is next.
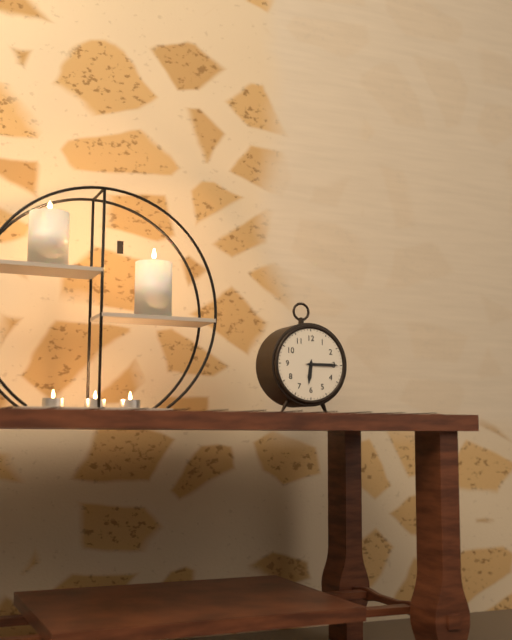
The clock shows 6.15
